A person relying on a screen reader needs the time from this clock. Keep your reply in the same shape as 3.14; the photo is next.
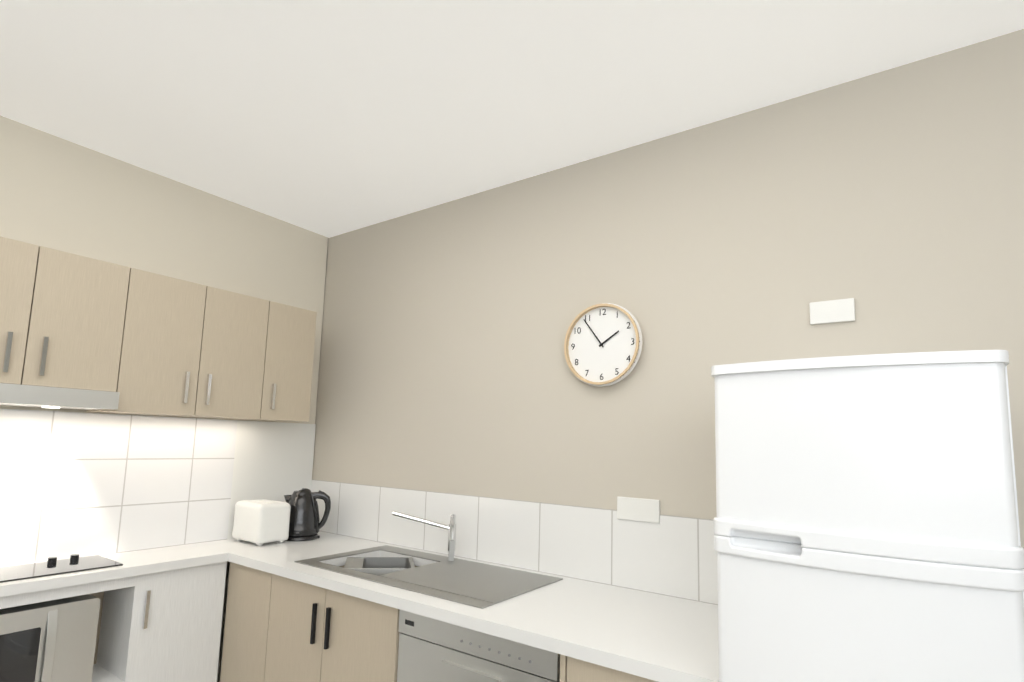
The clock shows 1.54
